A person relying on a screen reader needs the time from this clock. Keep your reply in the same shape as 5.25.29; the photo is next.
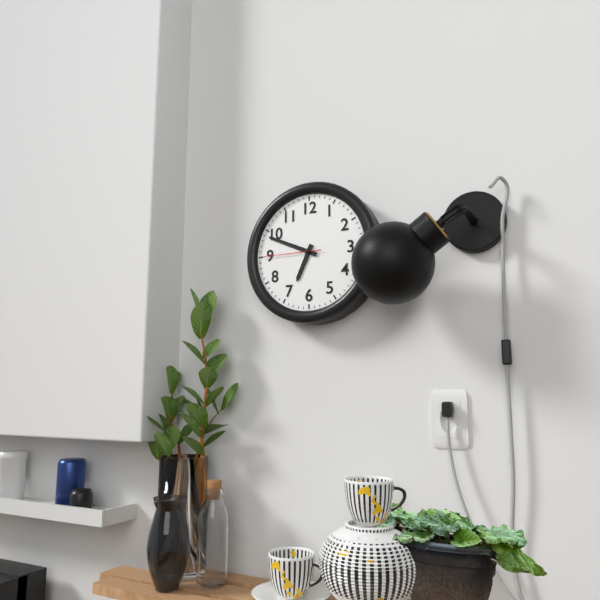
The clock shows 6.49.45
